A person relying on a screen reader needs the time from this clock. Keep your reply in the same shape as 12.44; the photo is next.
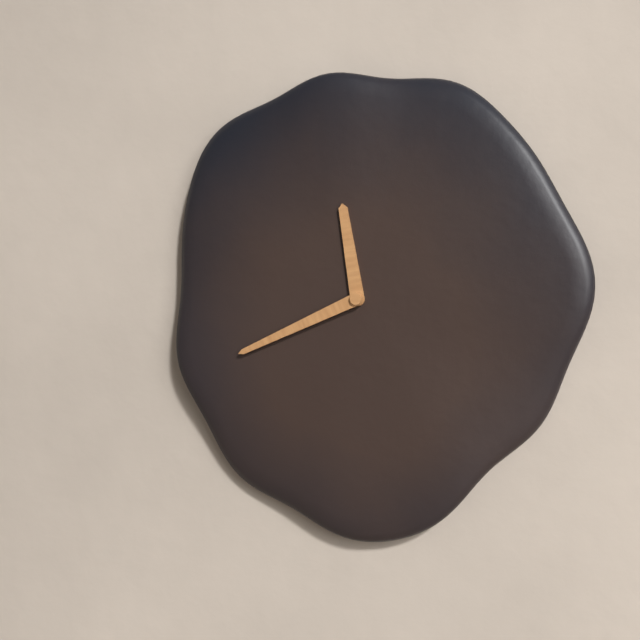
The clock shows 11.41
